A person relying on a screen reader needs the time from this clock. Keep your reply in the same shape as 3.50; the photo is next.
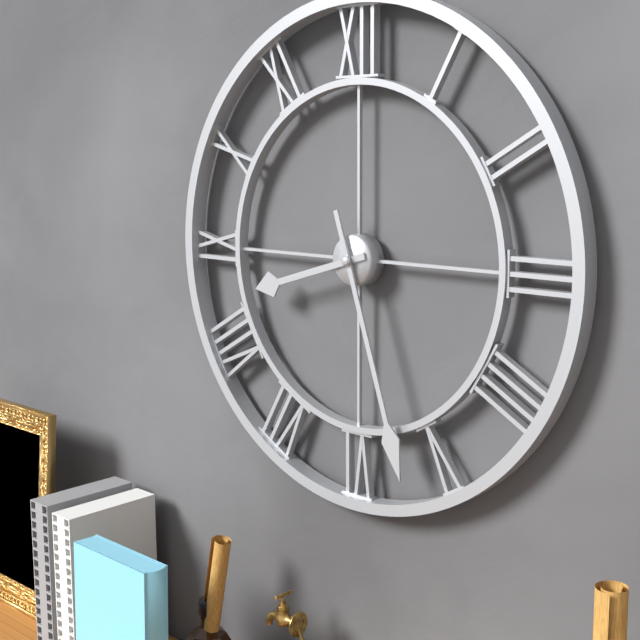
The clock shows 8.27
